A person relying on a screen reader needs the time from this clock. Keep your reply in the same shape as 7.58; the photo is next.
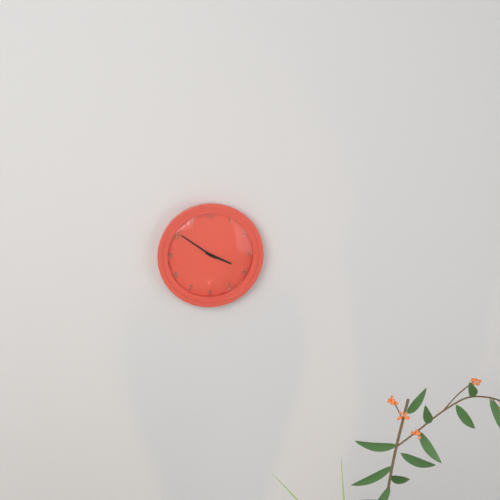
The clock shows 3.51
